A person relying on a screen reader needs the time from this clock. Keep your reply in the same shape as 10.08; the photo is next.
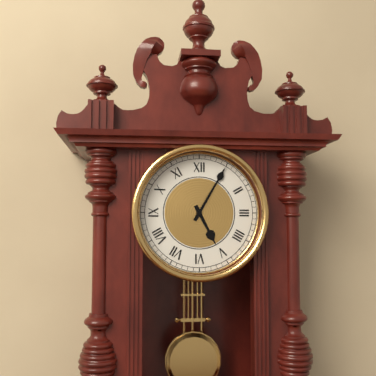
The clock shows 5.05
